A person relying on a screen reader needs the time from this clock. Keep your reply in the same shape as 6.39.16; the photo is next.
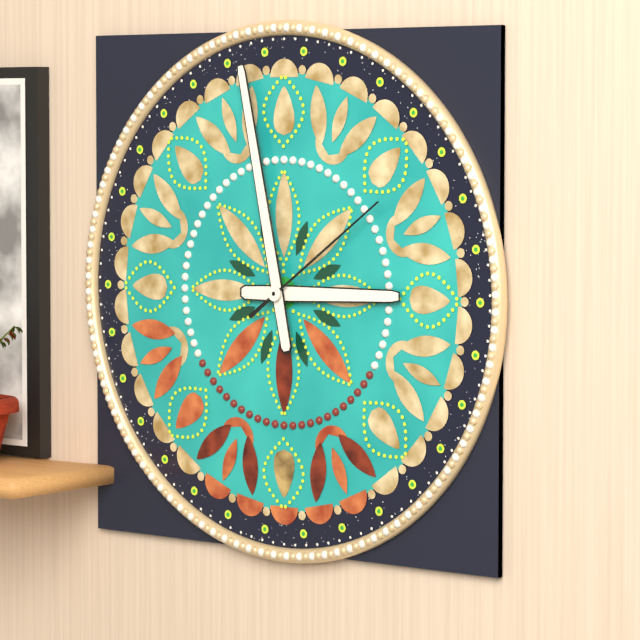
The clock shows 2.58.09
